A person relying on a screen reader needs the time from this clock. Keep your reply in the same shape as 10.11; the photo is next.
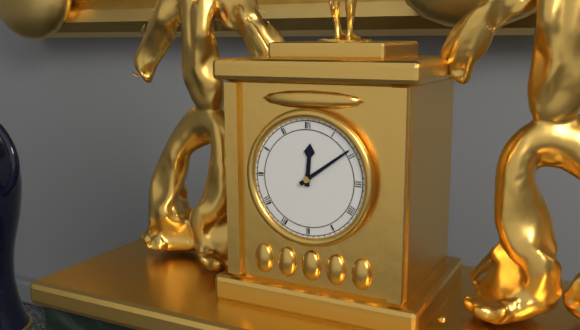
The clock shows 12.09
